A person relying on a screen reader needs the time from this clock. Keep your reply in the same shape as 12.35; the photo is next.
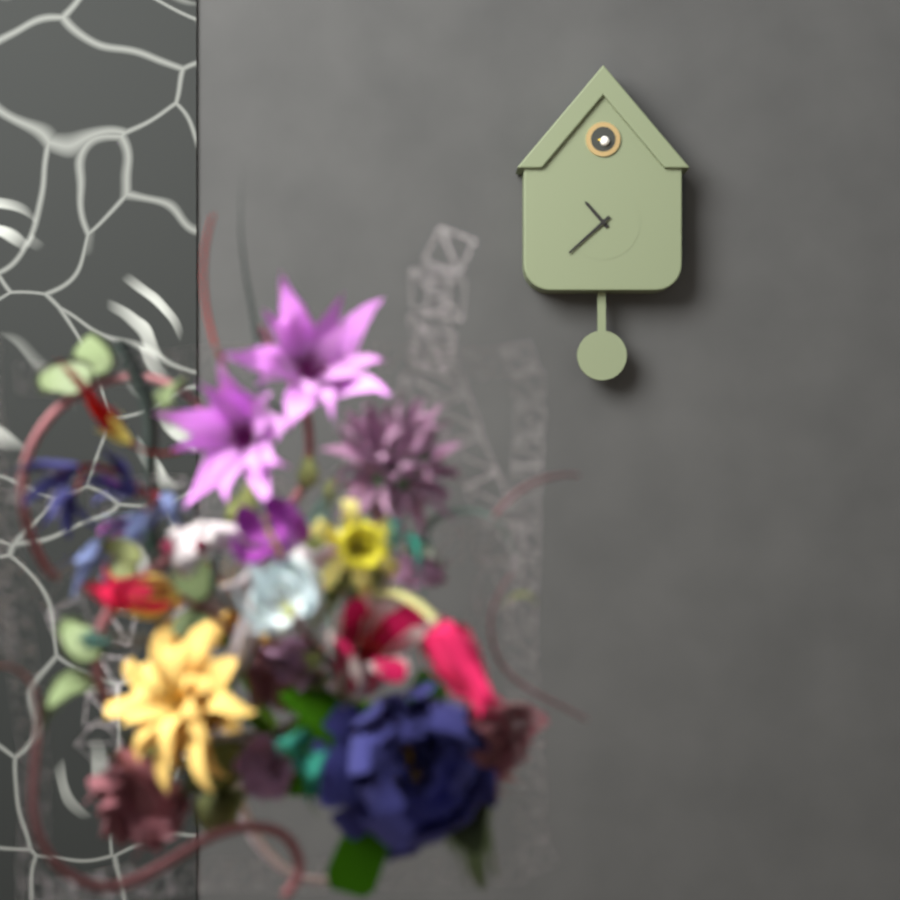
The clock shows 10.38
